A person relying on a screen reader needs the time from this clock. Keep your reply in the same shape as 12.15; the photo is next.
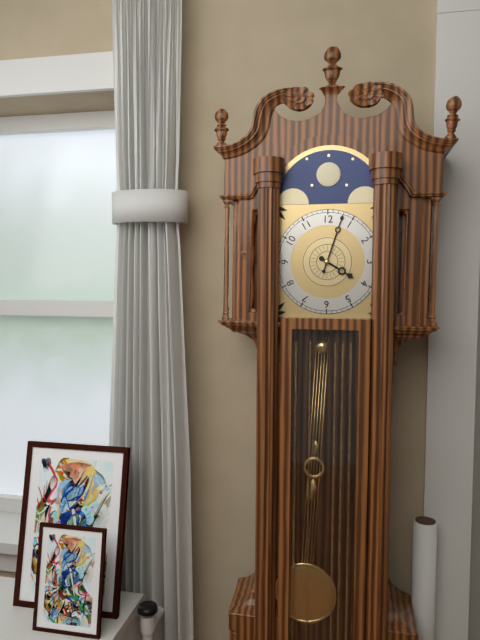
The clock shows 4.03
